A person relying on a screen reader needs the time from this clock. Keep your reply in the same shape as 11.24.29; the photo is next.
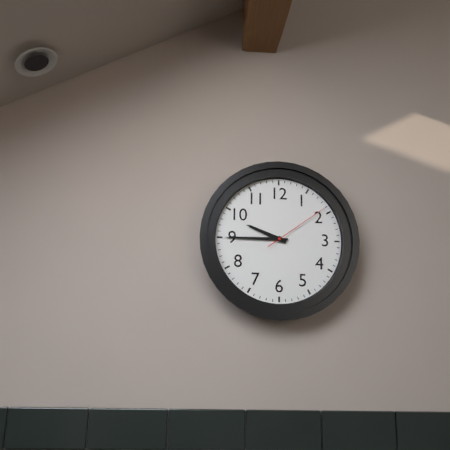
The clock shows 9.45.09
